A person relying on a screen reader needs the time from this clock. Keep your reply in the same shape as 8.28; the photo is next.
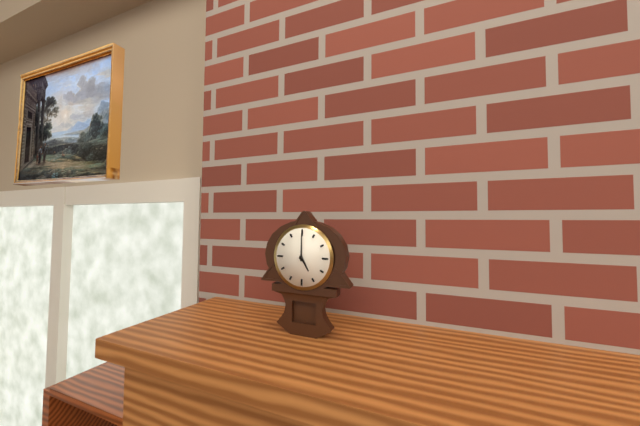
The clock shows 5.00
